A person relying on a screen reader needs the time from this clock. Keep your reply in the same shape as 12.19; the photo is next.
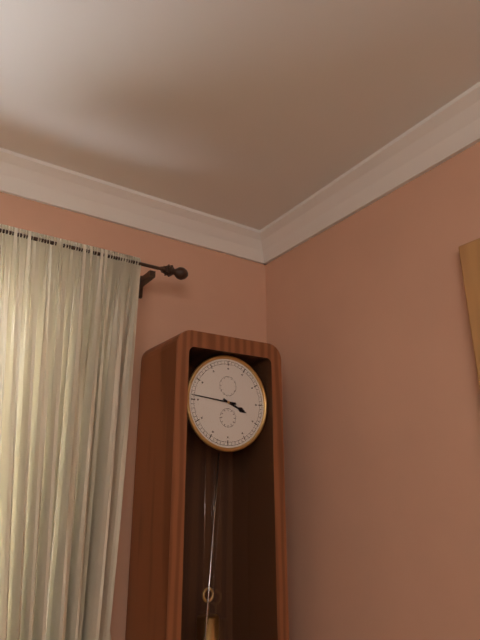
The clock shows 3.46
